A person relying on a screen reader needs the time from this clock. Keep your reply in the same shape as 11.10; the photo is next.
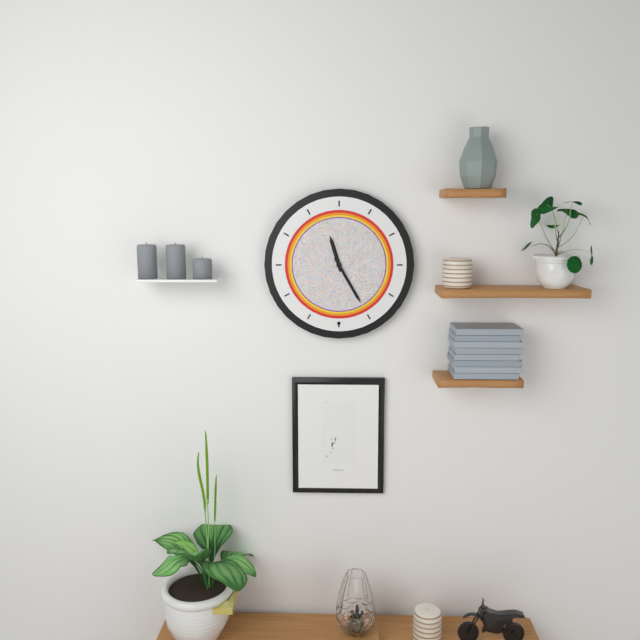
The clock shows 11.25
